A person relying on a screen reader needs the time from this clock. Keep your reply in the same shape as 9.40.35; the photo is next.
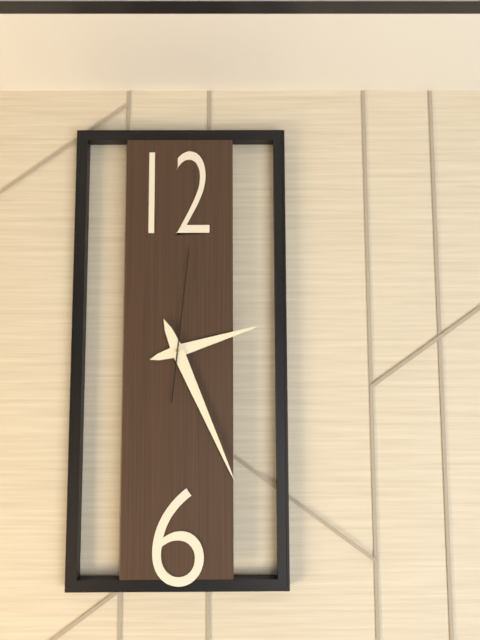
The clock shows 2.26.01
